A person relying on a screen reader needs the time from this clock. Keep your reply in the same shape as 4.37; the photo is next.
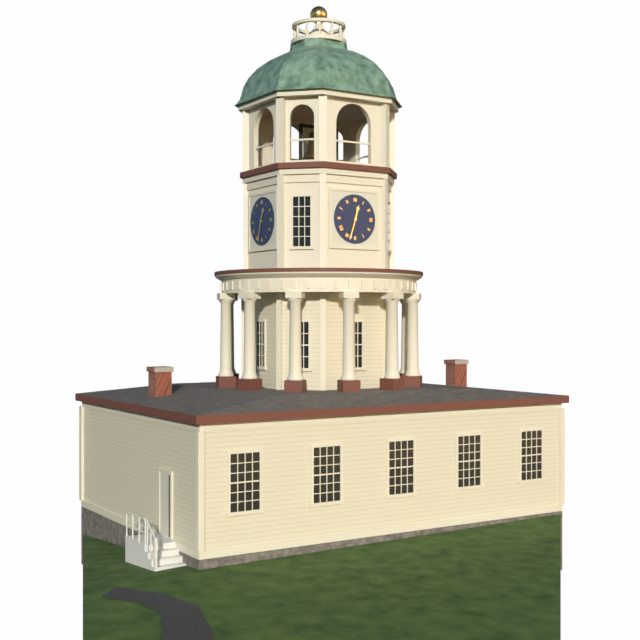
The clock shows 12.33
